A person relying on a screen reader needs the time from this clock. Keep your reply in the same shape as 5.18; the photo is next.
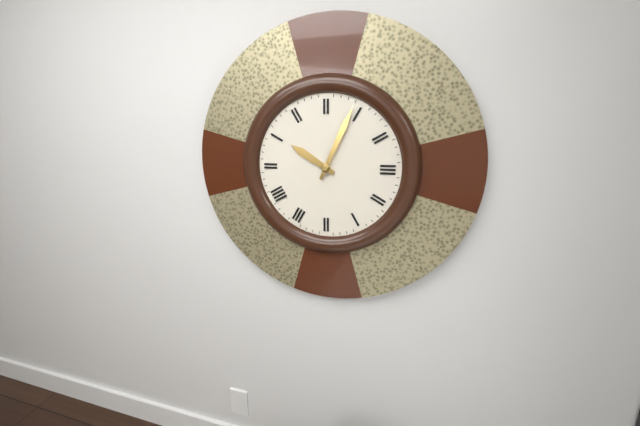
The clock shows 10.04
